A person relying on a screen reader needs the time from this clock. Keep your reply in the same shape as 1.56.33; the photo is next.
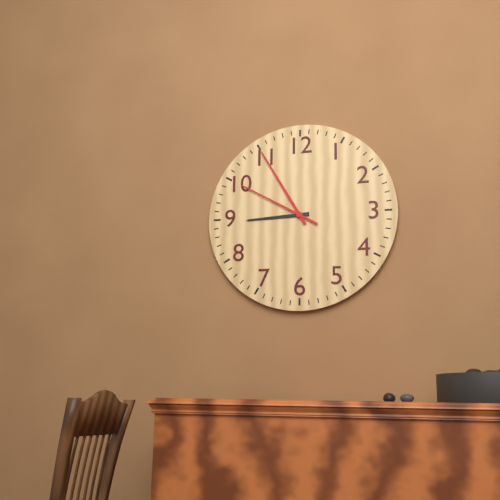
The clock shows 8.55.50
